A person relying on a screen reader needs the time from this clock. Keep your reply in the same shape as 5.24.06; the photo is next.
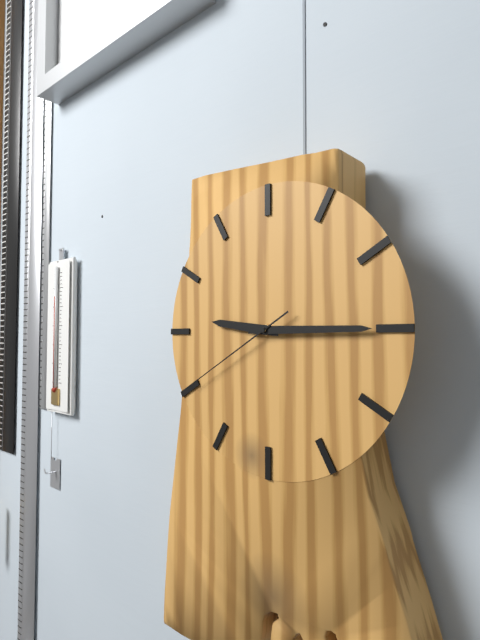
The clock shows 9.15.40
